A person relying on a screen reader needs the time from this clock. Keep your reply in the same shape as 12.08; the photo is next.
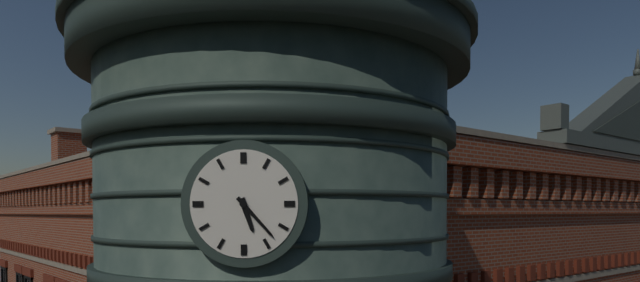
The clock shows 5.23
